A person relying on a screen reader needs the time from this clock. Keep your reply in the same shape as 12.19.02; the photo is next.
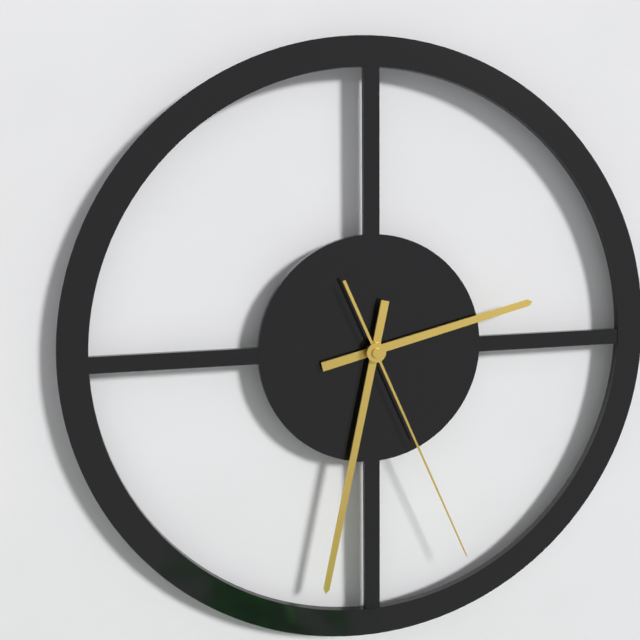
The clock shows 2.32.26
